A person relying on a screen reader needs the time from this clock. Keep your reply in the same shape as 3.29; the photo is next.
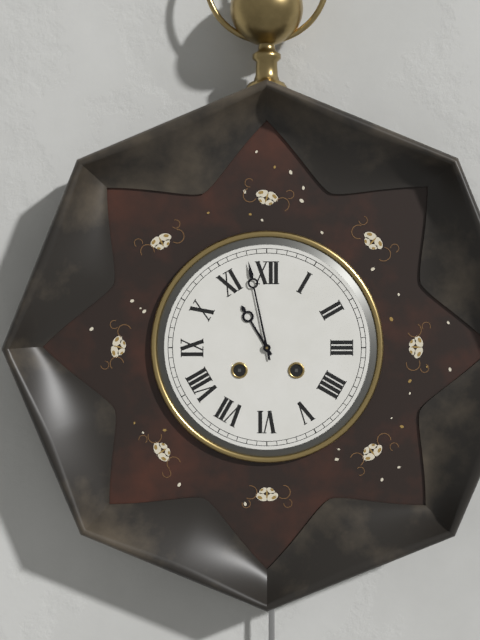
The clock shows 10.58
